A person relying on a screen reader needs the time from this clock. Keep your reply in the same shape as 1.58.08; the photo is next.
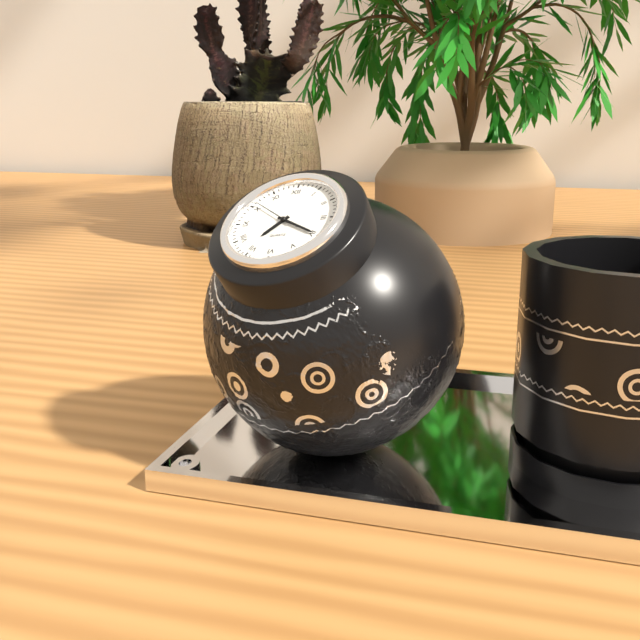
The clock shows 7.20.51
